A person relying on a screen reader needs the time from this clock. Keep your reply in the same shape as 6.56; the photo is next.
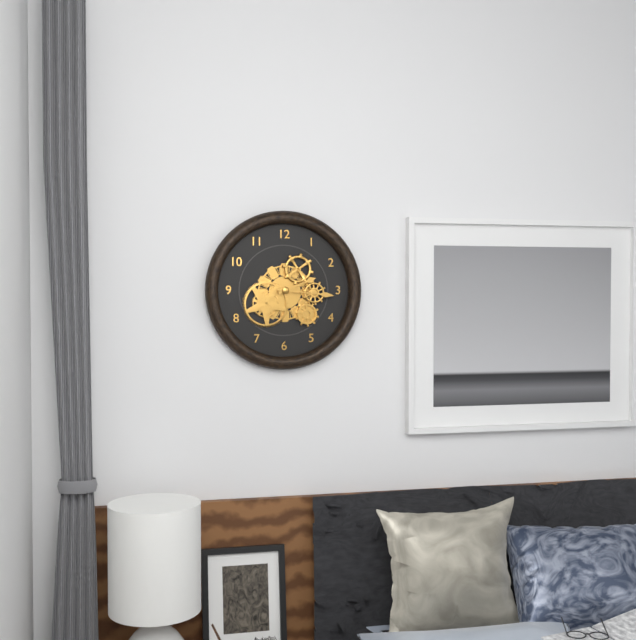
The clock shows 2.16
